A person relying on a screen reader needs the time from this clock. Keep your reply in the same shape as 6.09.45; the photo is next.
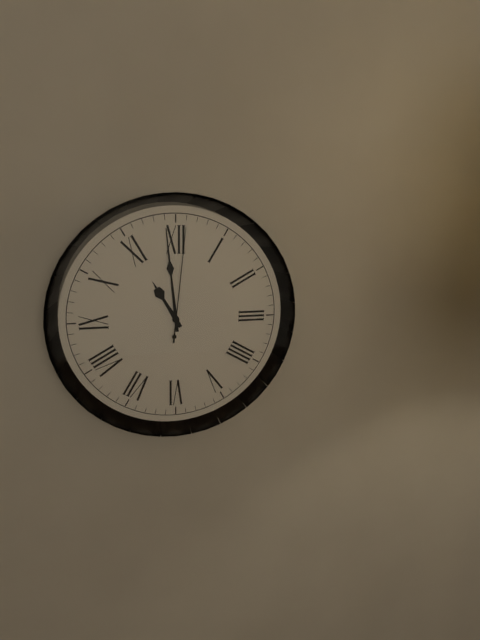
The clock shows 10.59.01
